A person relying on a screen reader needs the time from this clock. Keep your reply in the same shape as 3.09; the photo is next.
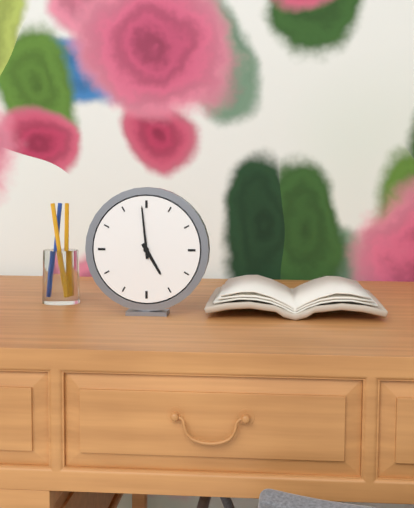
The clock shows 4.59
